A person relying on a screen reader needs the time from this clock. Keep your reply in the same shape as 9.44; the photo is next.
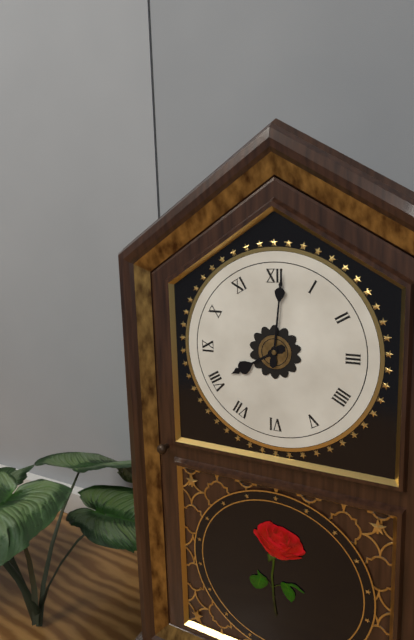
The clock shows 8.01
